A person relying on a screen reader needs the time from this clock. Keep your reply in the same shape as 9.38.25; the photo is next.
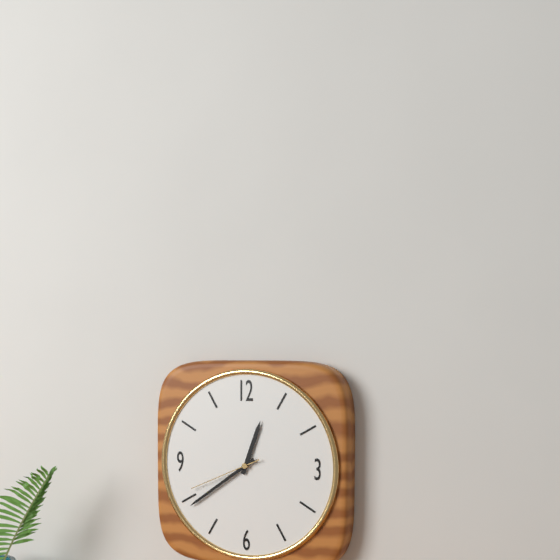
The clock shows 12.39.41
